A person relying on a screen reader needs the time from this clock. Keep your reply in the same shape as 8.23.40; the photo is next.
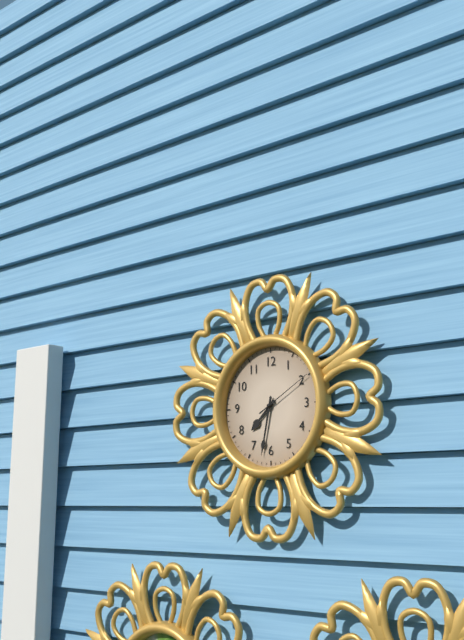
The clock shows 7.32.10
